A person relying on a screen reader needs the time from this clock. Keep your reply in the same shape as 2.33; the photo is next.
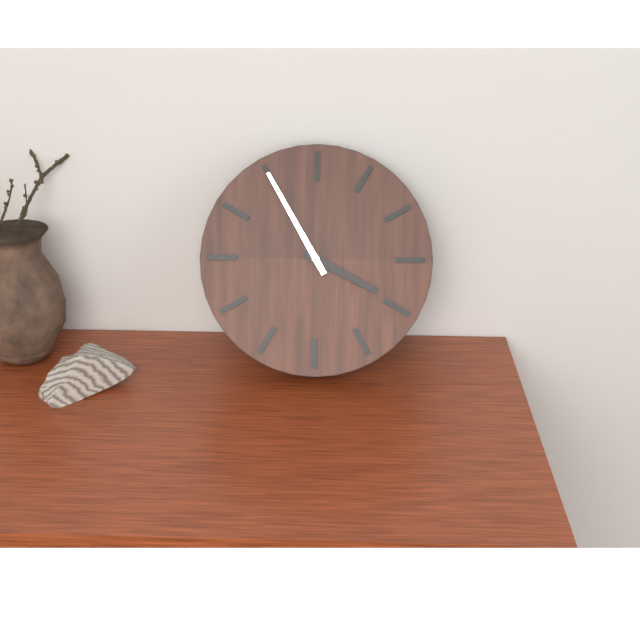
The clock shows 3.55
